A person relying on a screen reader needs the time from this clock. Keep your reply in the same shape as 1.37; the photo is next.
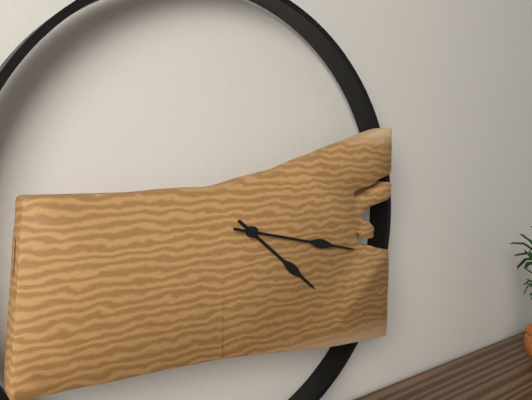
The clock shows 4.17
